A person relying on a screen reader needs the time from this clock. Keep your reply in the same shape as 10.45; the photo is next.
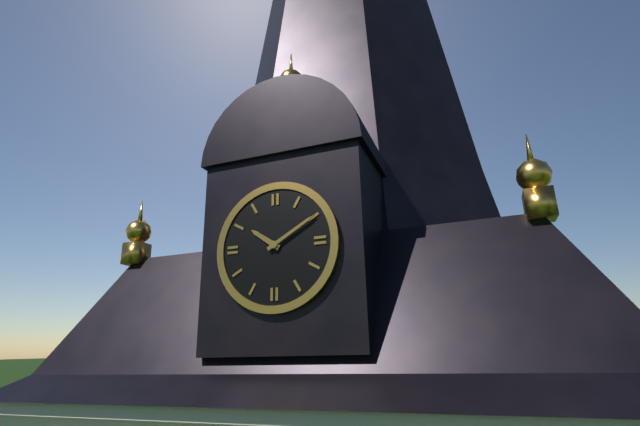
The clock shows 10.10
